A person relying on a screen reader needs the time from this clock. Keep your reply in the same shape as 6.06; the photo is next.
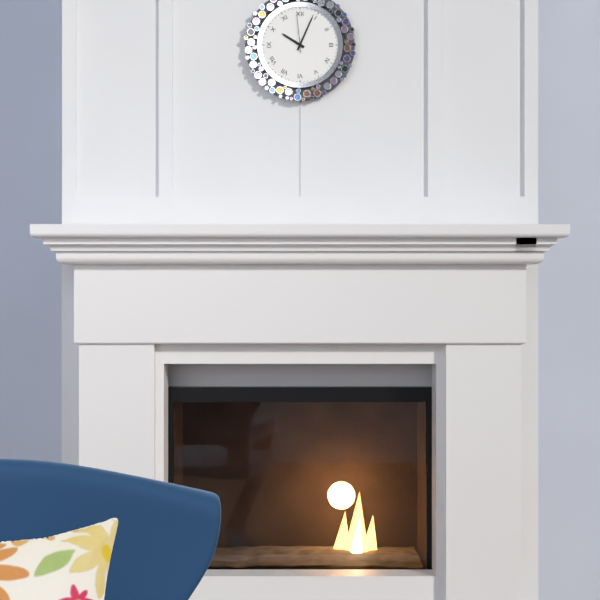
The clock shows 10.04
